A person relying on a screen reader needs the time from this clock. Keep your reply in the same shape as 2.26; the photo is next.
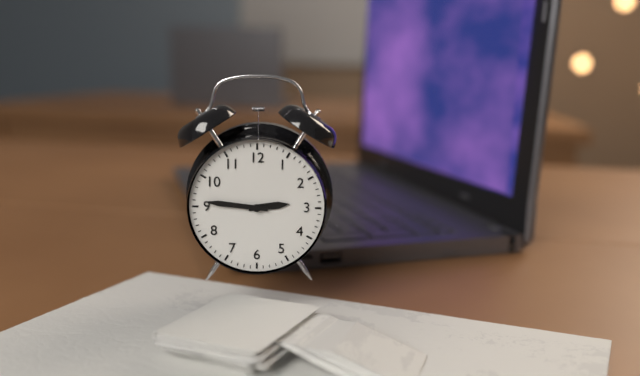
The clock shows 2.46
